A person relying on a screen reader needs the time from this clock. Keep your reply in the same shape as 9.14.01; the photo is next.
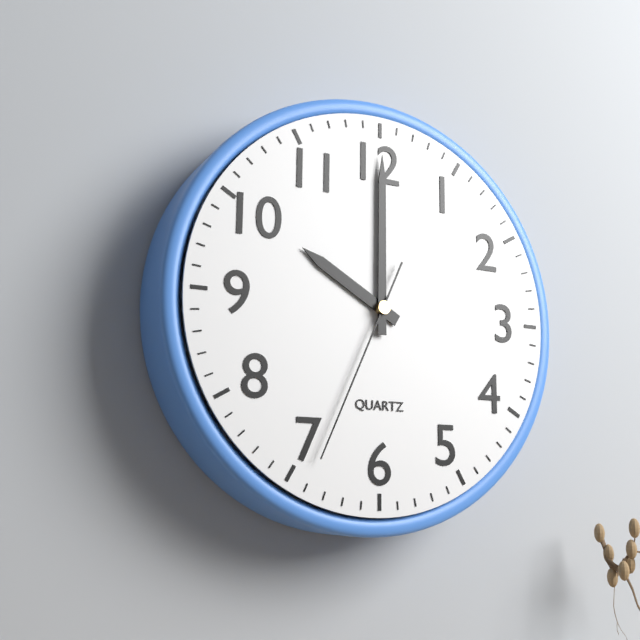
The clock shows 10.00.34
